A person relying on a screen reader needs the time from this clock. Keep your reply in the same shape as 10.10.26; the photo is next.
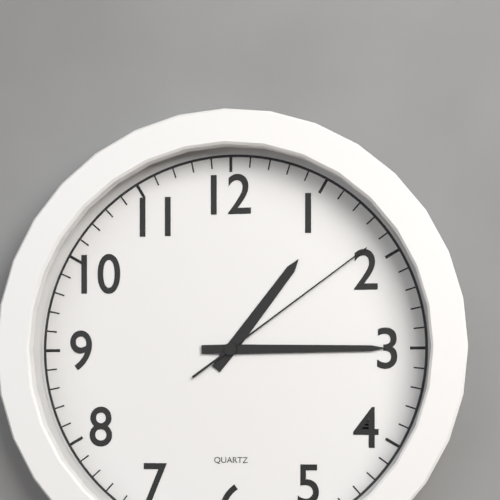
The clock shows 1.15.09
